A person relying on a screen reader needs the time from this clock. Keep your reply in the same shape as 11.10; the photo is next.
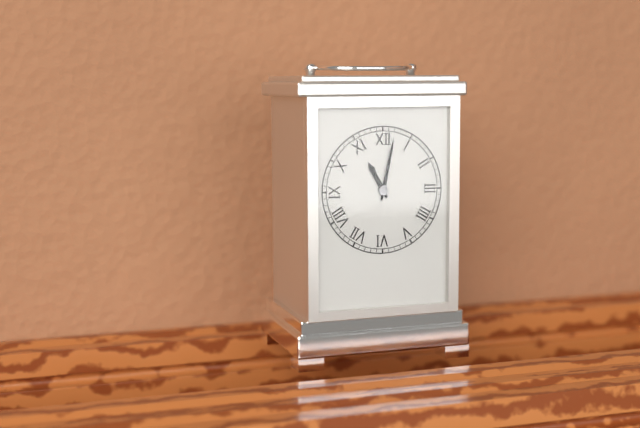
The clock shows 11.02
